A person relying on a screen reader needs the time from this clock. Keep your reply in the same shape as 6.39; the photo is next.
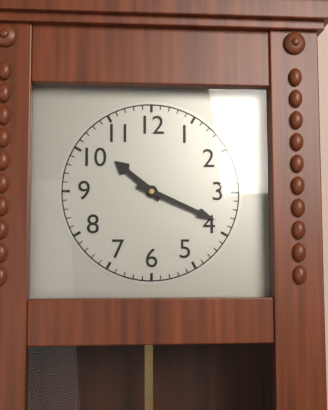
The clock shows 10.19
